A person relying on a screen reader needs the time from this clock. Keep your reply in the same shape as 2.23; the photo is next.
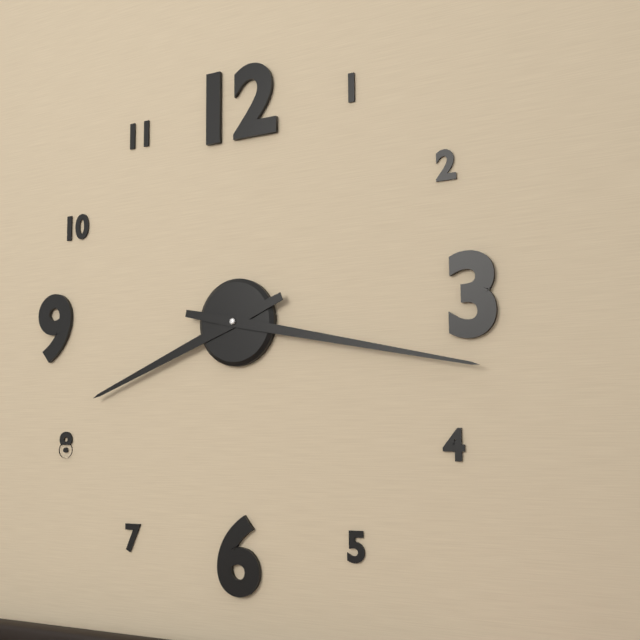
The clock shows 8.17
